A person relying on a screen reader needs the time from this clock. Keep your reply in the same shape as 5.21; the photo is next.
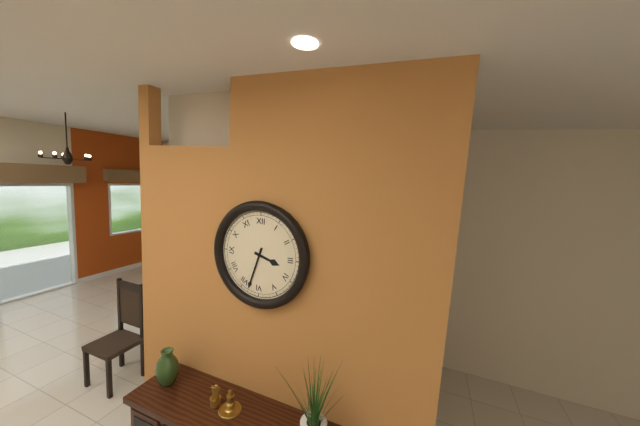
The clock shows 3.33
